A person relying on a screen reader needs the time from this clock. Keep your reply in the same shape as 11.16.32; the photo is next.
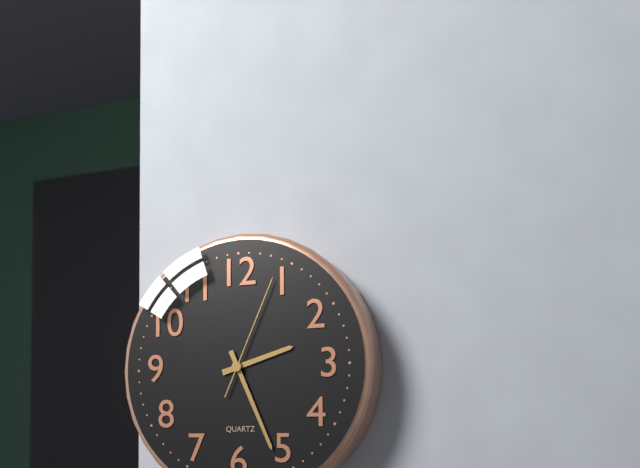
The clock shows 2.26.04
